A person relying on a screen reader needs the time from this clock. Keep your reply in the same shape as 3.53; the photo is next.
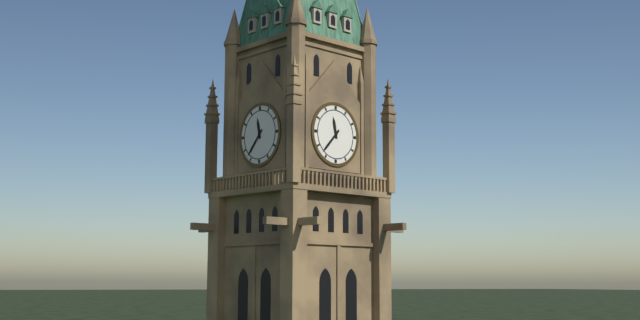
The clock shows 11.37
